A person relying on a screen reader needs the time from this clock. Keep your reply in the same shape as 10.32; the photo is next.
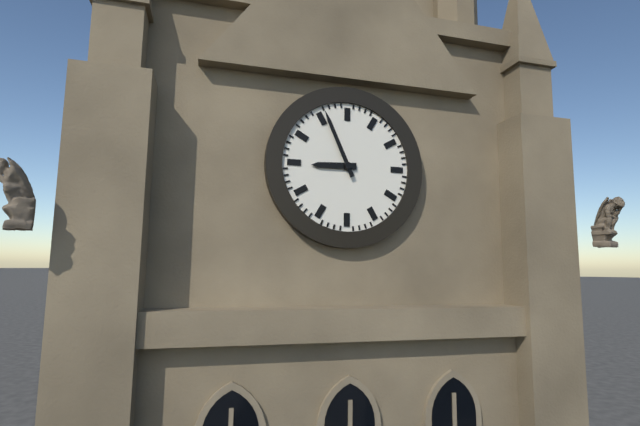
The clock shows 8.56
